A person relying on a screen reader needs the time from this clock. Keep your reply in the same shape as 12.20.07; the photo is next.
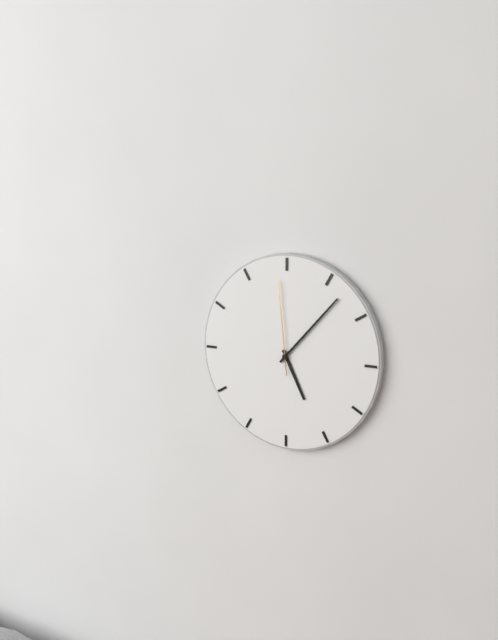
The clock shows 5.07.59
